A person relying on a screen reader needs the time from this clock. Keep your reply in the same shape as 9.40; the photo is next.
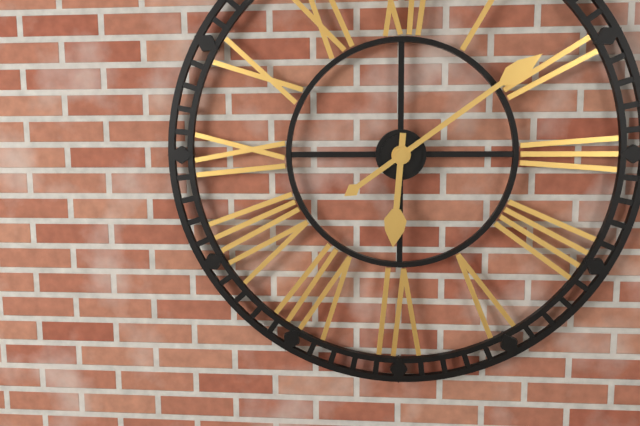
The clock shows 6.09
